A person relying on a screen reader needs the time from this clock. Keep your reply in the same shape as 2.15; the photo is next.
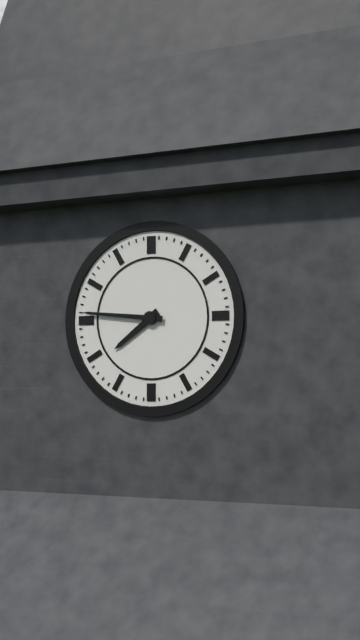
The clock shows 7.46
